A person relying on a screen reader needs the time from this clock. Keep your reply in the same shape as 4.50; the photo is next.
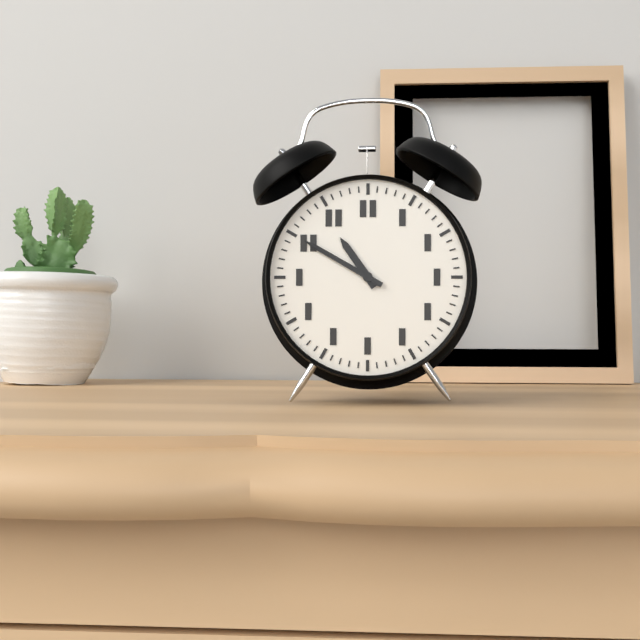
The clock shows 10.50
